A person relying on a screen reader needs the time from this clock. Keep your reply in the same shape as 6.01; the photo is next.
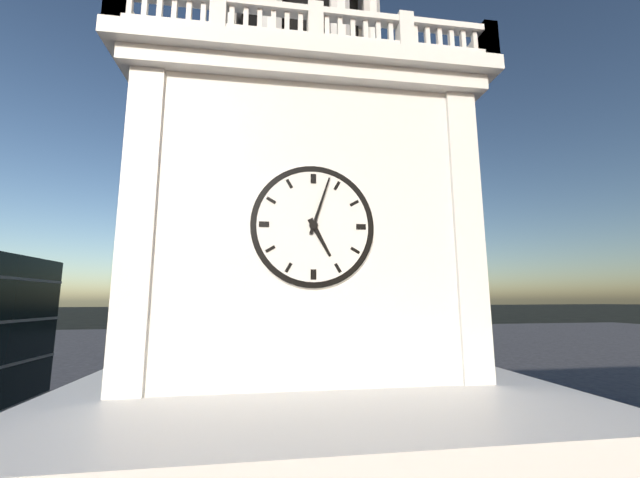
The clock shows 5.03
